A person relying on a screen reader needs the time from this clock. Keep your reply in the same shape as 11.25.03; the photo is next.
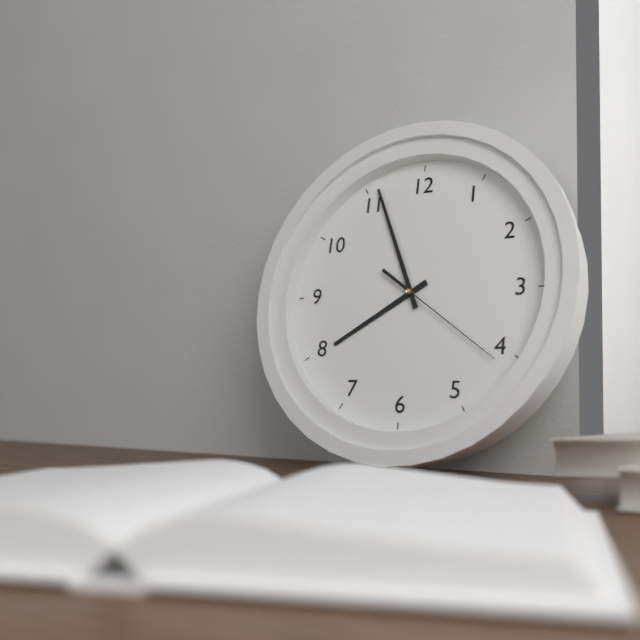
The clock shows 7.56.21
